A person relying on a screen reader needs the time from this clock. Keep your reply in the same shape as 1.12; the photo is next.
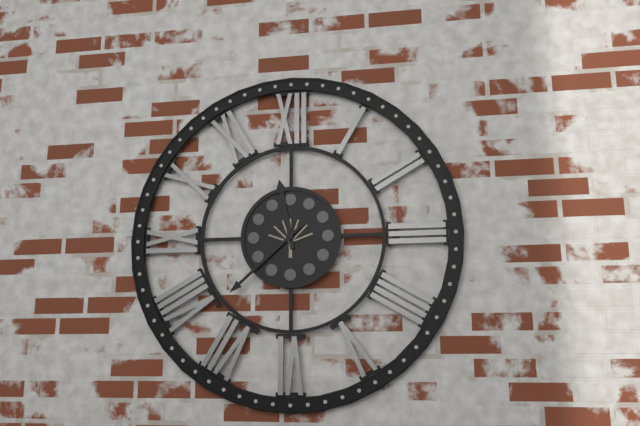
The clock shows 11.38
